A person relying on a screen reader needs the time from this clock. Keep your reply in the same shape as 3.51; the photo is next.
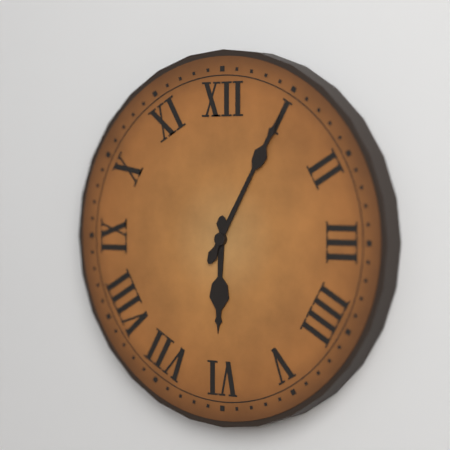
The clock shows 6.05
